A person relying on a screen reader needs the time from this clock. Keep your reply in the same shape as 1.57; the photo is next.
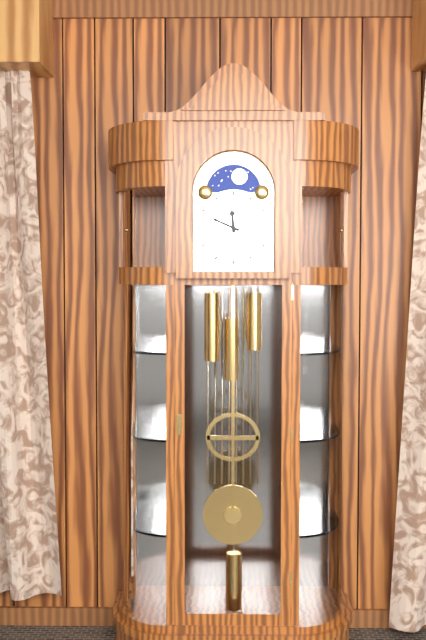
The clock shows 11.49
